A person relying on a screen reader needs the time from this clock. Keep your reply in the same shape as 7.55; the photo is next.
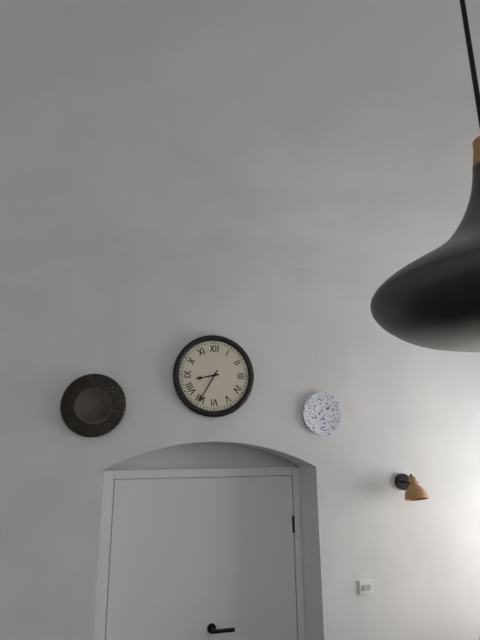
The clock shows 8.35
